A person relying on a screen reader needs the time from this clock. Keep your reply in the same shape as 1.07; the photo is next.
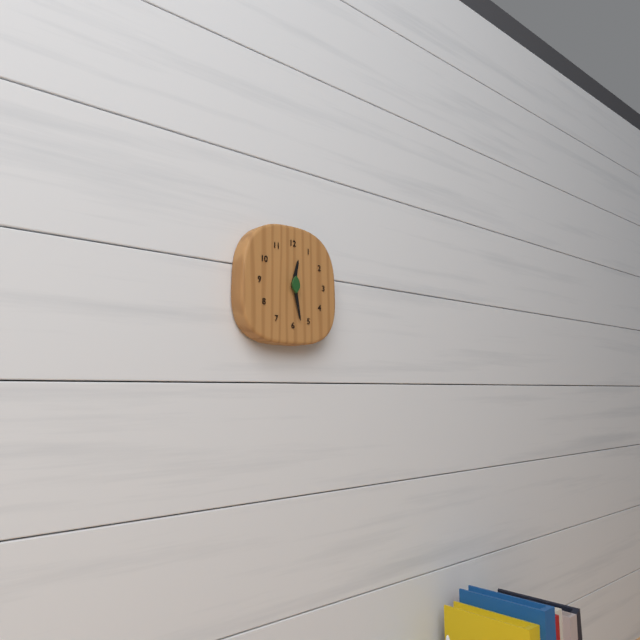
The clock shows 12.28
